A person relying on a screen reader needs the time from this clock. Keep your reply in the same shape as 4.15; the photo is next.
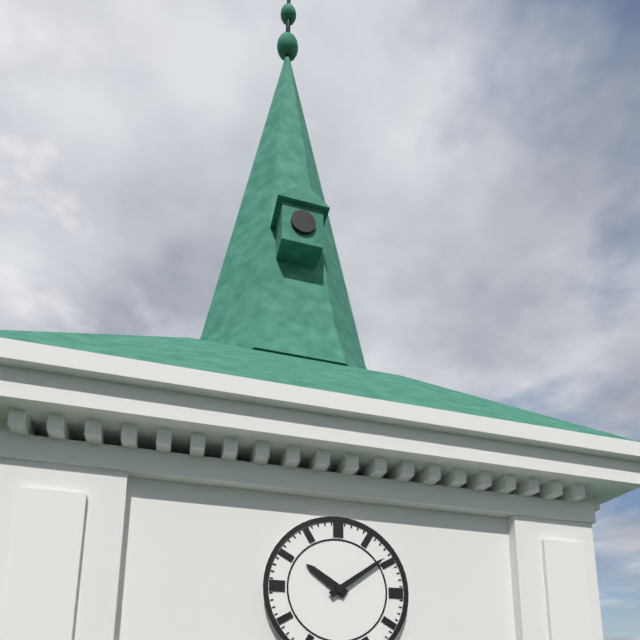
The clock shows 10.09
